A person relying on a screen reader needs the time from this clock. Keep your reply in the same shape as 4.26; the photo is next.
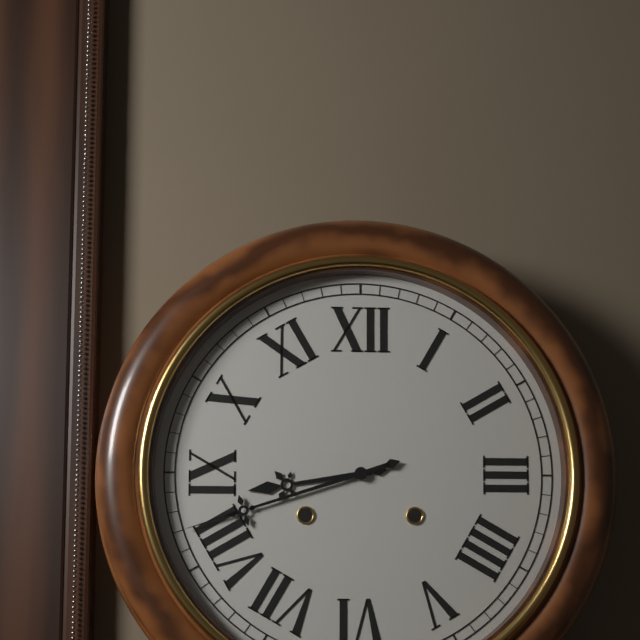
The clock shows 8.42
